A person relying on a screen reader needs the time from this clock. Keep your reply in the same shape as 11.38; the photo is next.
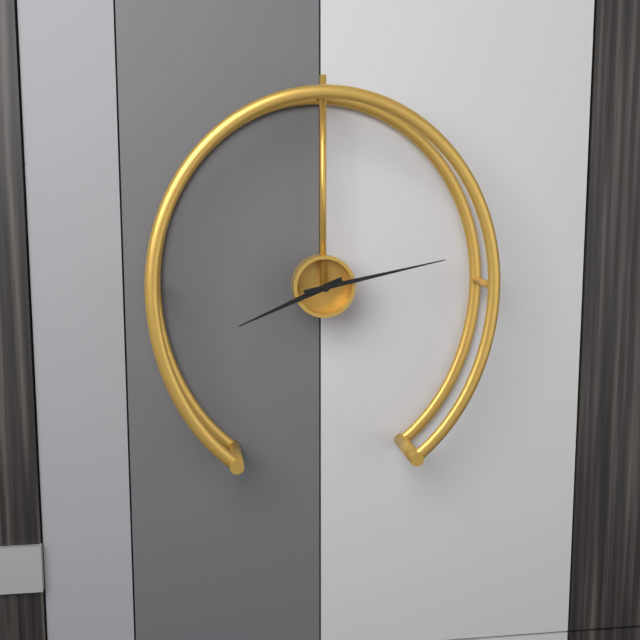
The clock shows 8.13
